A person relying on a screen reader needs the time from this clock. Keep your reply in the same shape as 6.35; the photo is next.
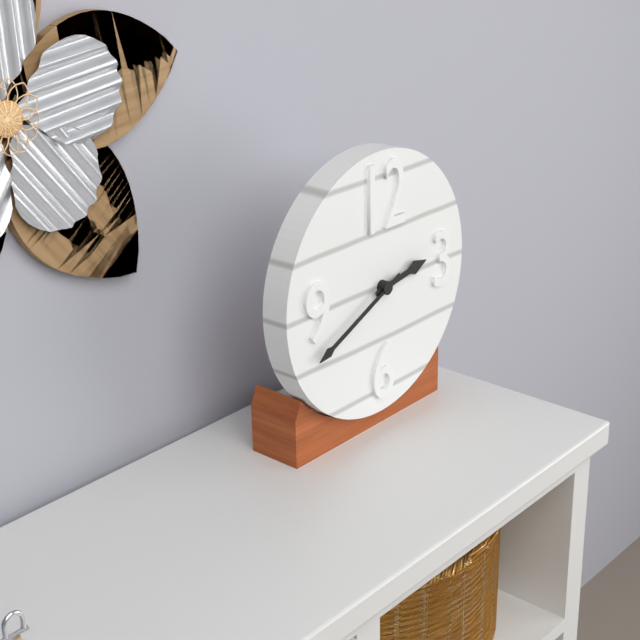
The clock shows 2.41
